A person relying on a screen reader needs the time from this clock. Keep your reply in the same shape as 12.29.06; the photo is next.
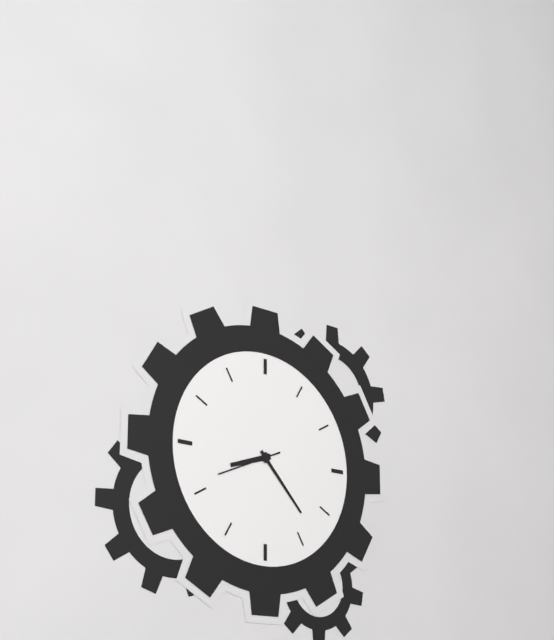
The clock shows 8.23.41
